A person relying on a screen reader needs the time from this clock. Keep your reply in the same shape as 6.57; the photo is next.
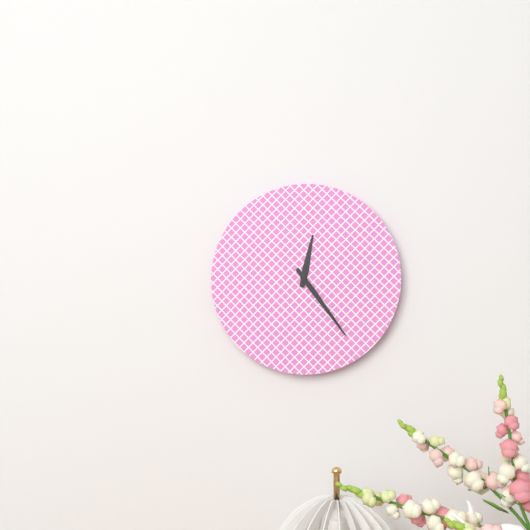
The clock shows 12.24
